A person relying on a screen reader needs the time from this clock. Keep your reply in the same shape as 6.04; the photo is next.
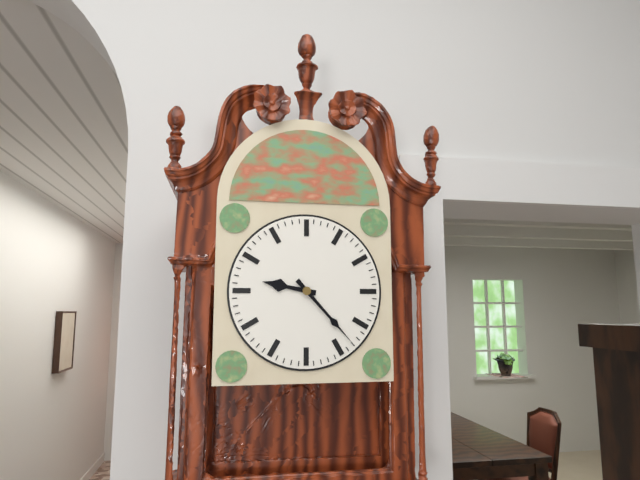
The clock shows 9.23
